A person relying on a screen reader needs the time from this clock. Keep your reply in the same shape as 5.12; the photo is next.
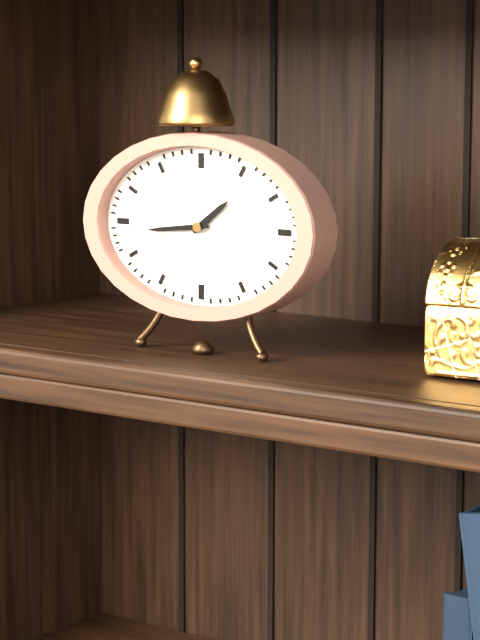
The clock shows 1.44
